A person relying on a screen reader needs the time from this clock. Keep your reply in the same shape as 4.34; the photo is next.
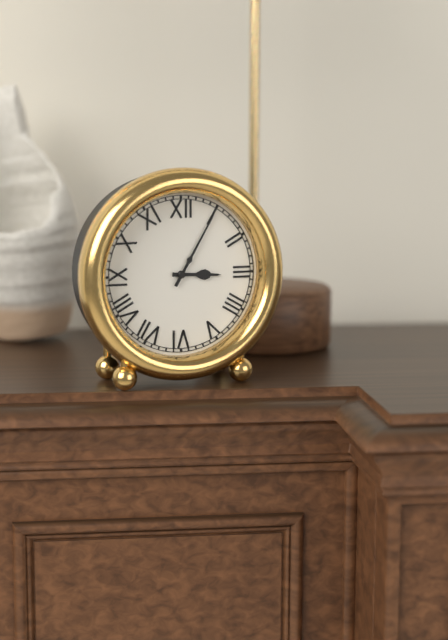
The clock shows 3.05
